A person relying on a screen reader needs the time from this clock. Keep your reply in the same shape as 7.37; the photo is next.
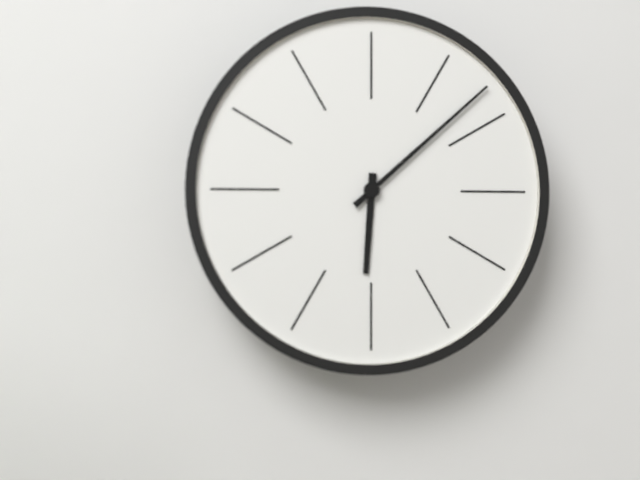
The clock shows 6.08
